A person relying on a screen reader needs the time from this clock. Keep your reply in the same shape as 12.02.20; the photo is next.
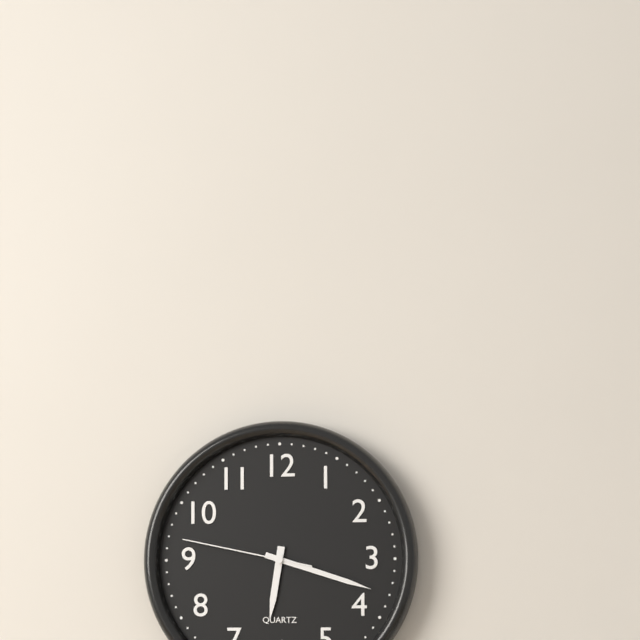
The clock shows 6.18.47
